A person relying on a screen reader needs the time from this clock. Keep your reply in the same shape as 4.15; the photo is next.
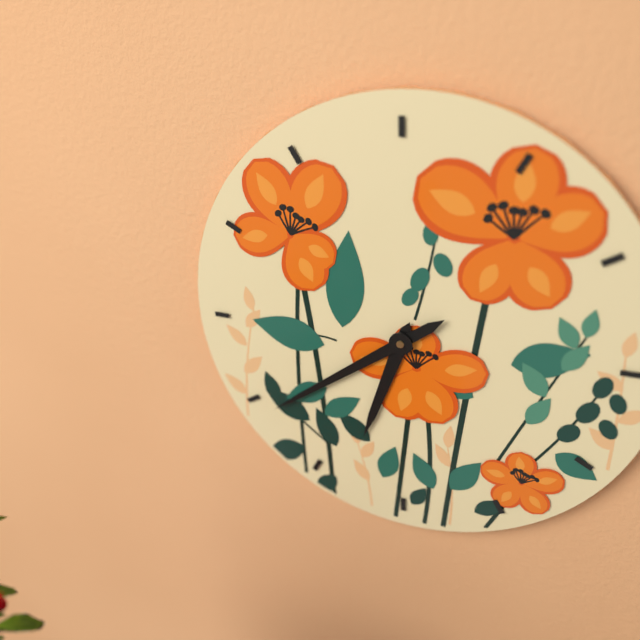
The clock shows 6.39
